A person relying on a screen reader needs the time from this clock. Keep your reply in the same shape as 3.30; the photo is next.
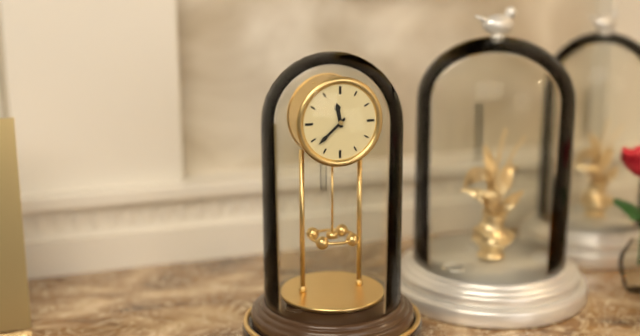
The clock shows 11.38
